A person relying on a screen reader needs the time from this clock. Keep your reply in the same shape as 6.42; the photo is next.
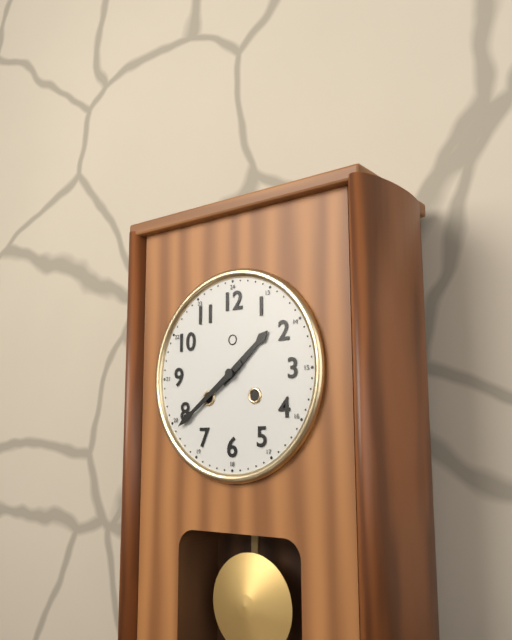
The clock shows 1.39
